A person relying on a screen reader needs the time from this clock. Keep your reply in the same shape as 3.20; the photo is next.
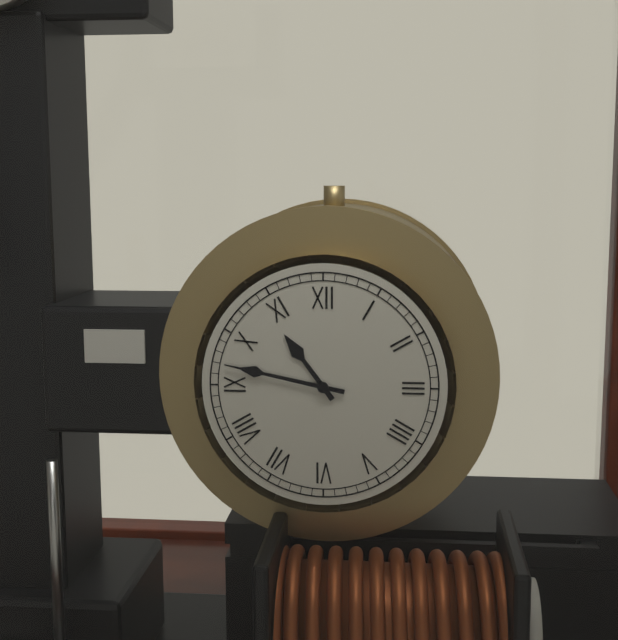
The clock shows 10.47
